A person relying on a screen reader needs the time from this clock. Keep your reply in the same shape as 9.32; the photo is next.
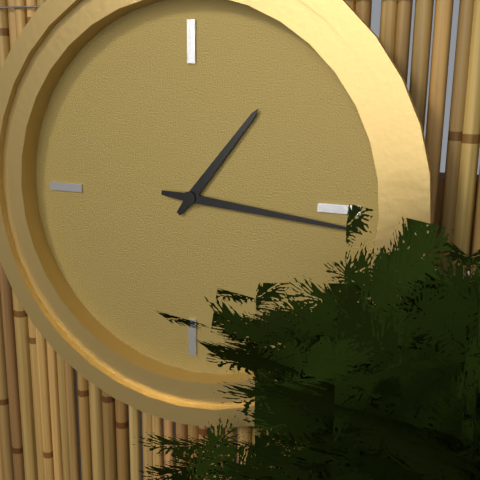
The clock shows 1.16
